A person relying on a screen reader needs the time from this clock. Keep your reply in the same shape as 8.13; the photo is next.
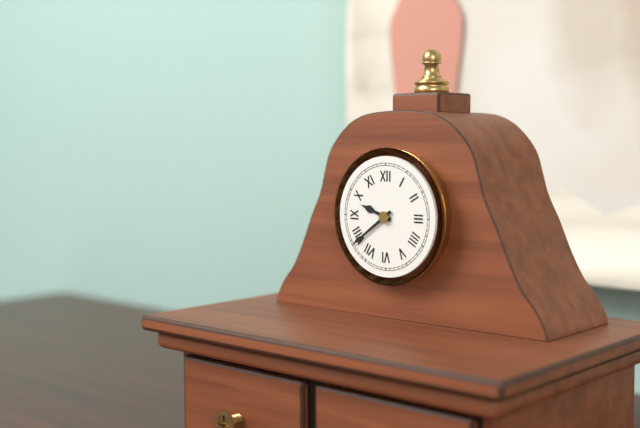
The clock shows 9.39
